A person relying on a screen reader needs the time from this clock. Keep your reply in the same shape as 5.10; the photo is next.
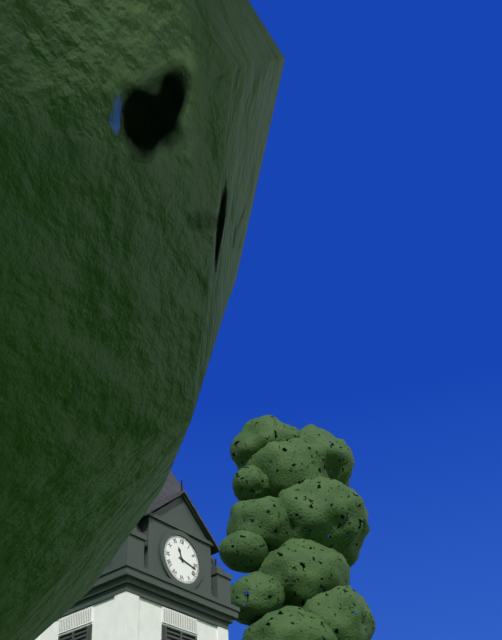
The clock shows 11.17
